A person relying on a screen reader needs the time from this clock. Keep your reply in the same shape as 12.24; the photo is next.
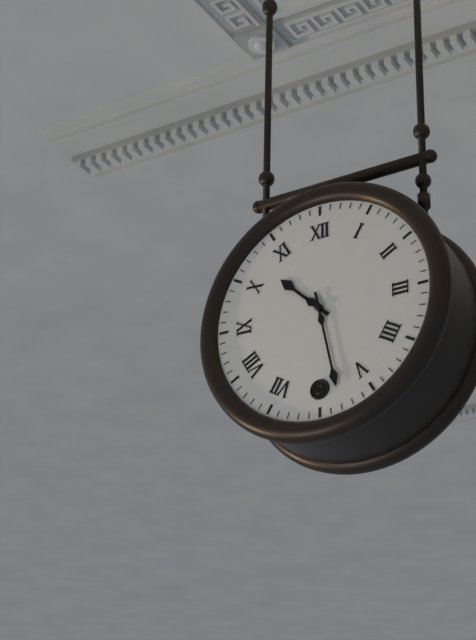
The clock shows 10.28
